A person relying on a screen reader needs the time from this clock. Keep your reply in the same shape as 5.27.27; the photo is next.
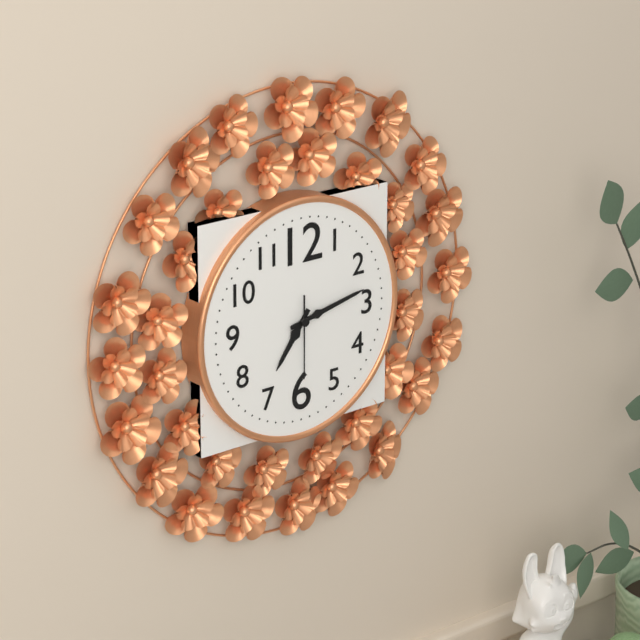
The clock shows 7.13.30
